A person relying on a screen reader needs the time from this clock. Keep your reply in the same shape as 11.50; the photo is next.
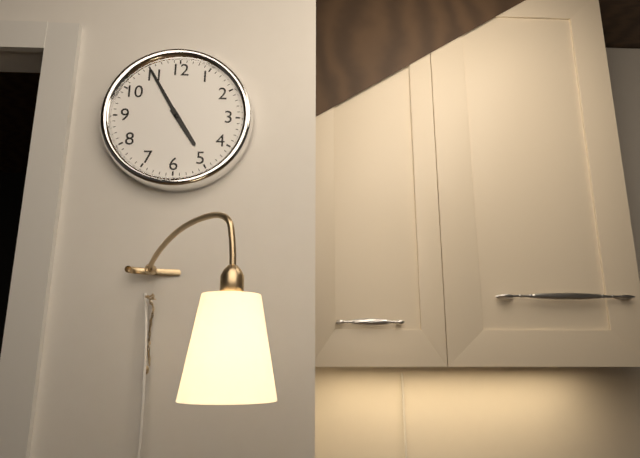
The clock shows 4.55
